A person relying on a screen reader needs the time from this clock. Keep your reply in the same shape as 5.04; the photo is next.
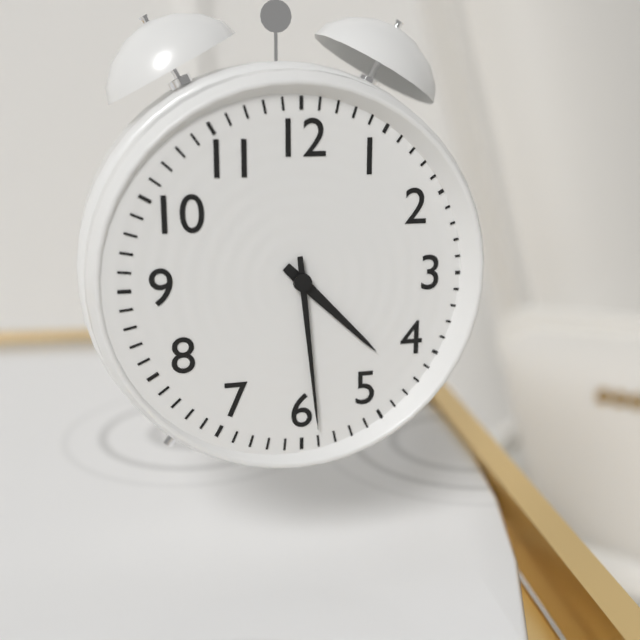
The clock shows 4.29
